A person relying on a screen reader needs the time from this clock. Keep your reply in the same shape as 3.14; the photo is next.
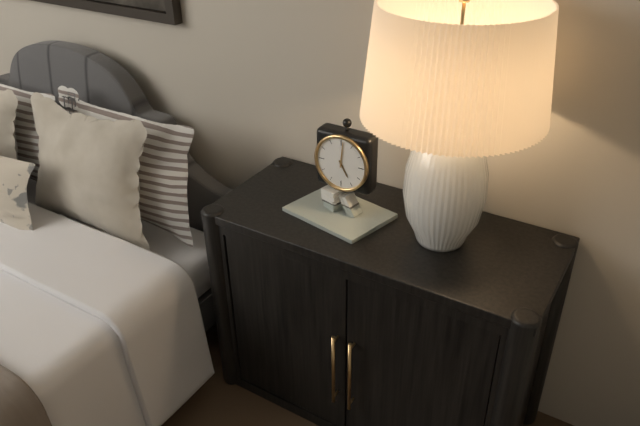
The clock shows 5.01
